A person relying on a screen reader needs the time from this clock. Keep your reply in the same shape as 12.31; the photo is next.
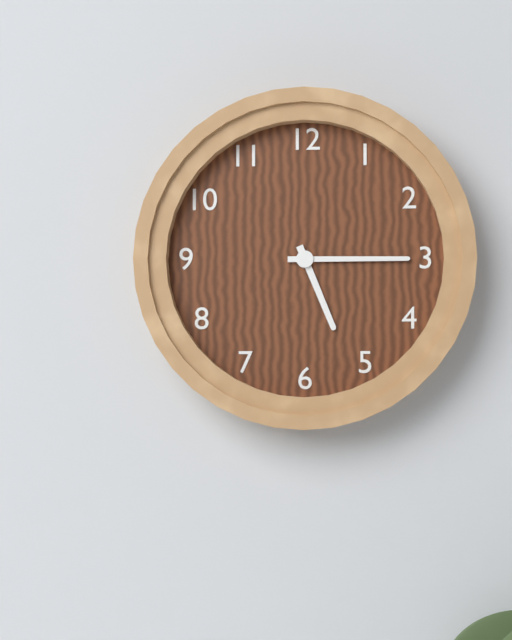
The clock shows 5.15
